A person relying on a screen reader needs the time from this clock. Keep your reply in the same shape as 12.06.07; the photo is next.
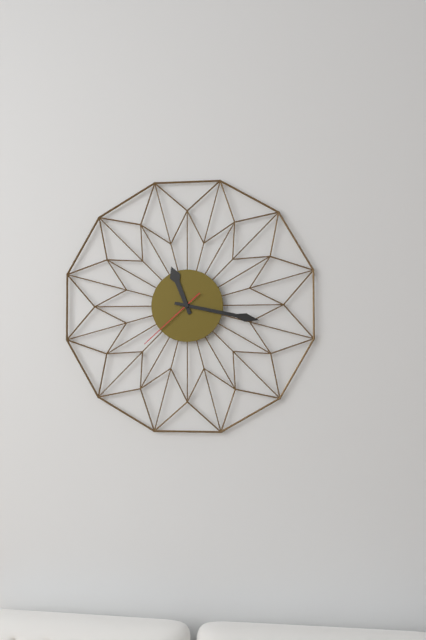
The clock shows 11.17.38
